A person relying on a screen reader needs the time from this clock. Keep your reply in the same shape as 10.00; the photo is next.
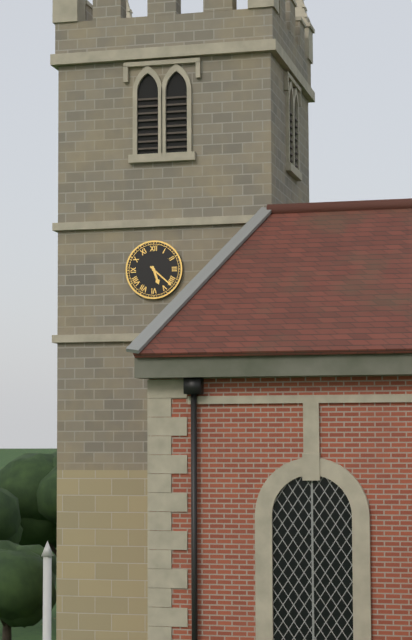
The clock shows 5.22
